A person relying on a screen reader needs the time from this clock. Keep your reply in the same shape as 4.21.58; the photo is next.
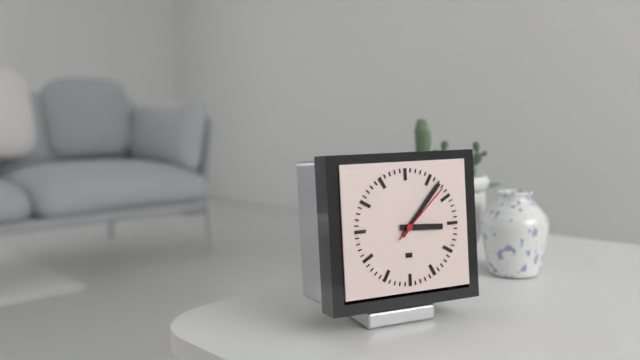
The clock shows 3.07.08
